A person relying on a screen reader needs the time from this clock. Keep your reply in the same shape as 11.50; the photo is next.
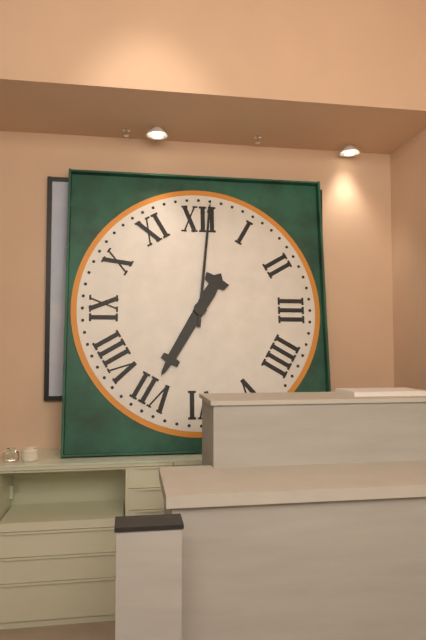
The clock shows 7.01
